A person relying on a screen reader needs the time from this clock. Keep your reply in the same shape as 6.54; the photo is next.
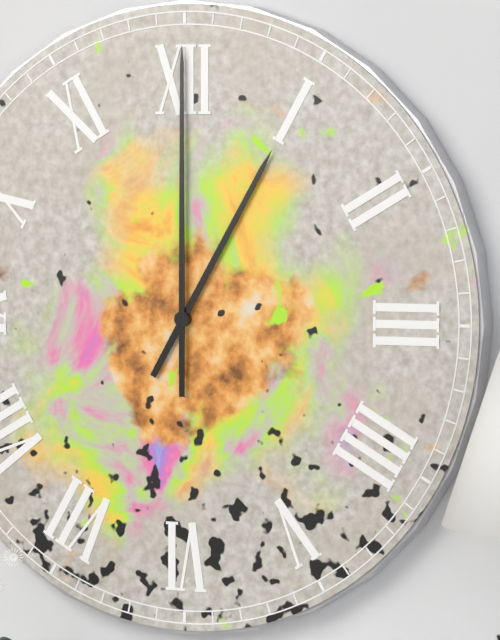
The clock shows 1.00
